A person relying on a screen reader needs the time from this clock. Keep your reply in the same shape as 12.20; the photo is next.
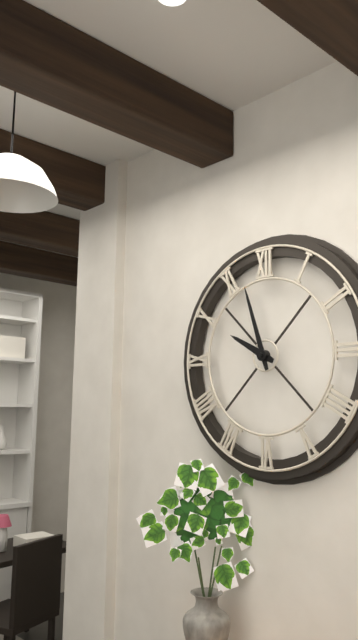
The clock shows 9.57
